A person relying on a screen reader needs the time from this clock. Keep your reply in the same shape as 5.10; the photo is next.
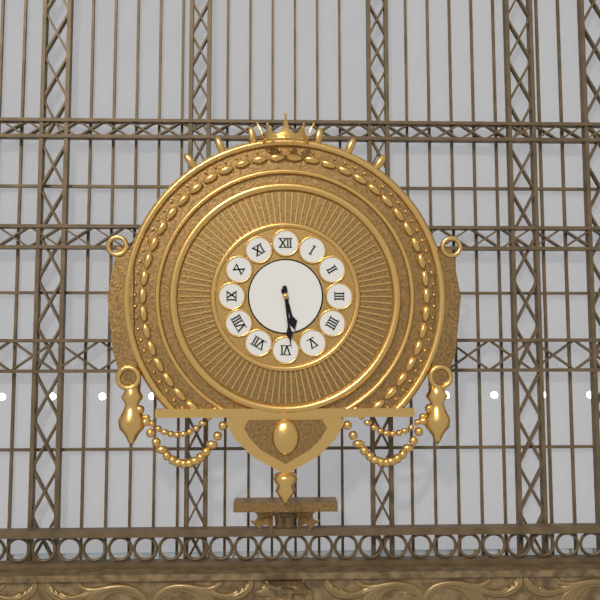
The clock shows 5.29
